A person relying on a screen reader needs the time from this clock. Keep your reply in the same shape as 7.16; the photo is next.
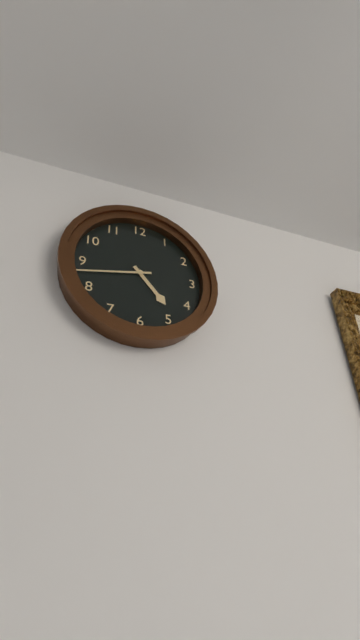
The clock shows 4.43
